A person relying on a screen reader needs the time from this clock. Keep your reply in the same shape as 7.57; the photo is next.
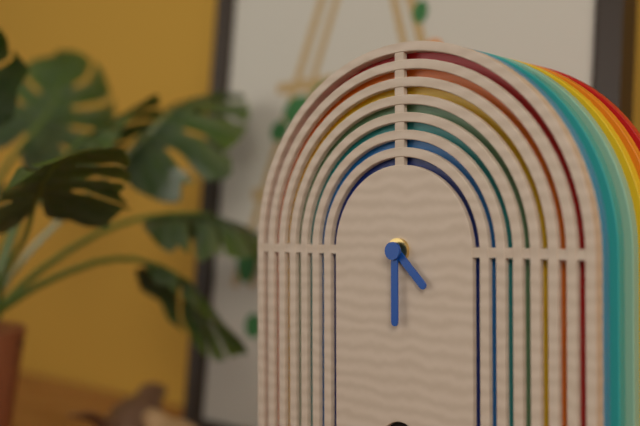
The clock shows 4.30
